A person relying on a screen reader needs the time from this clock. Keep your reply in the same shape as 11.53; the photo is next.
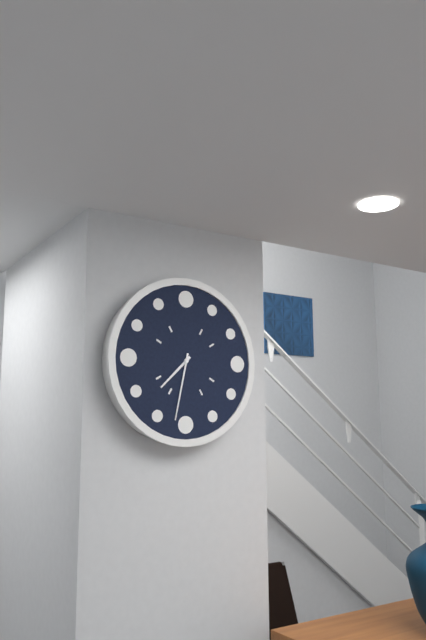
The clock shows 7.32
